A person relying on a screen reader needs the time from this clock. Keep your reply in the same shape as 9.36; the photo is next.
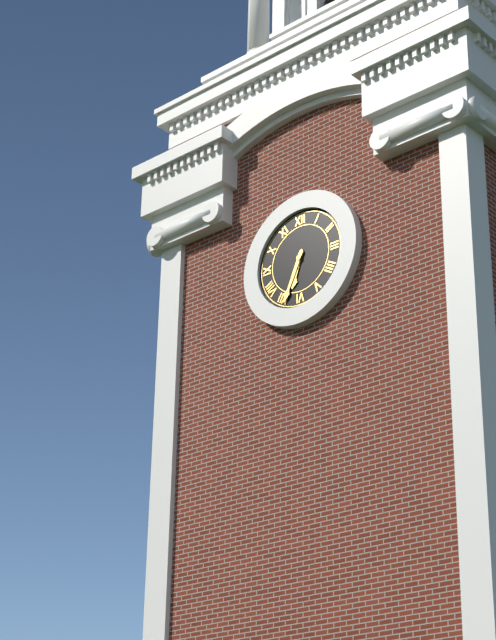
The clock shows 6.34
